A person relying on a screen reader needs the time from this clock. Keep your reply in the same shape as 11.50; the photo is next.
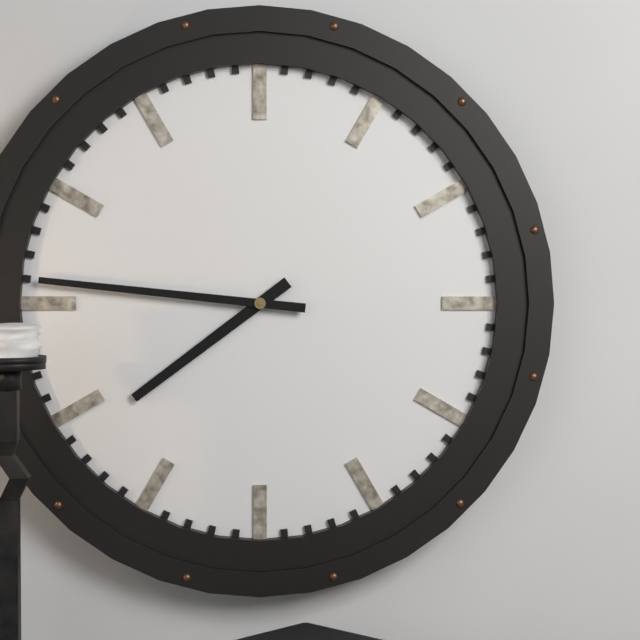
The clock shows 7.46
